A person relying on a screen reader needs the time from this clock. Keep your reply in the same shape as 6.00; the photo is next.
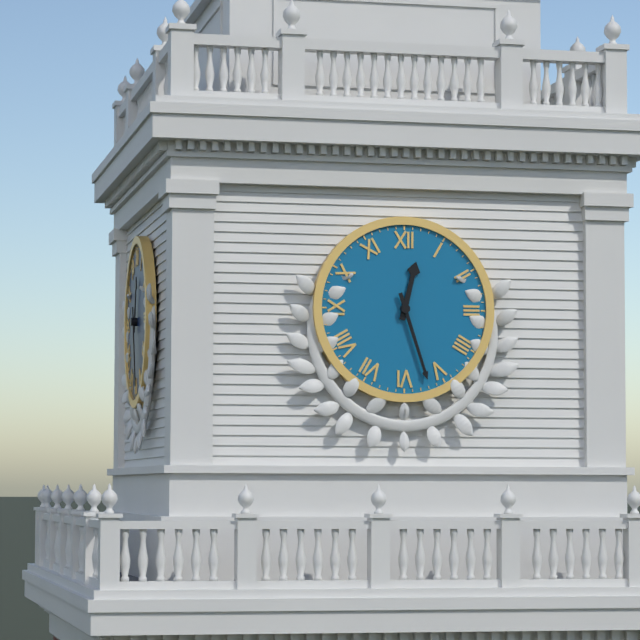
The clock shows 12.27
